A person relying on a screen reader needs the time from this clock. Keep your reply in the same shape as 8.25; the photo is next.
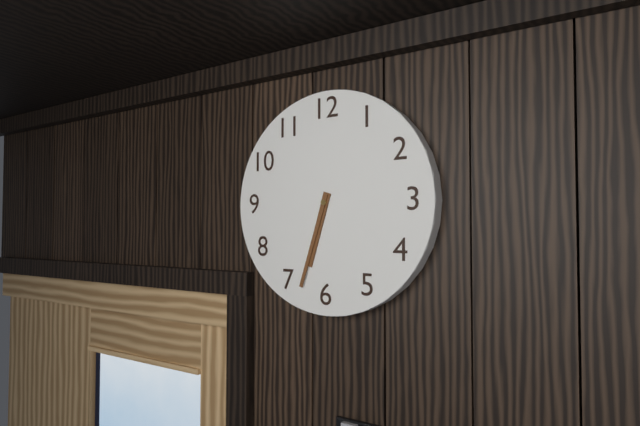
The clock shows 6.33
